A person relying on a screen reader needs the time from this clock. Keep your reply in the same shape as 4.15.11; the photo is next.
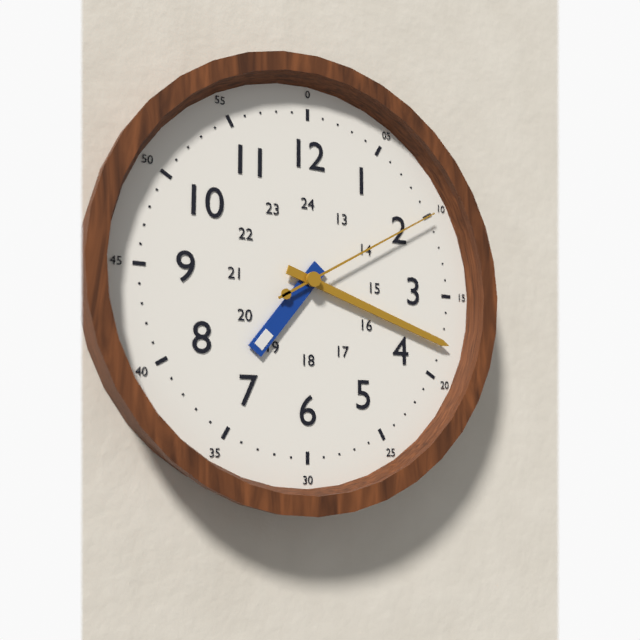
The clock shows 7.18.10
